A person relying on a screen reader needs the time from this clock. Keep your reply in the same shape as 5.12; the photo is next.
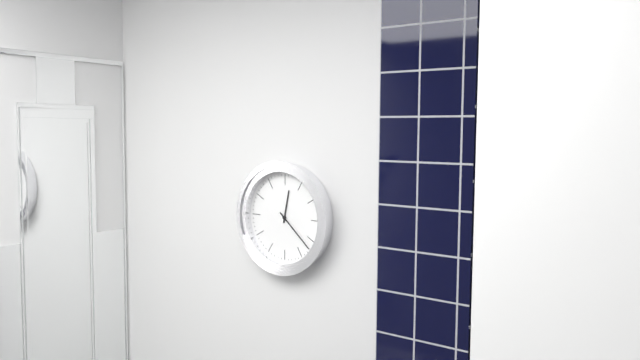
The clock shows 12.22
